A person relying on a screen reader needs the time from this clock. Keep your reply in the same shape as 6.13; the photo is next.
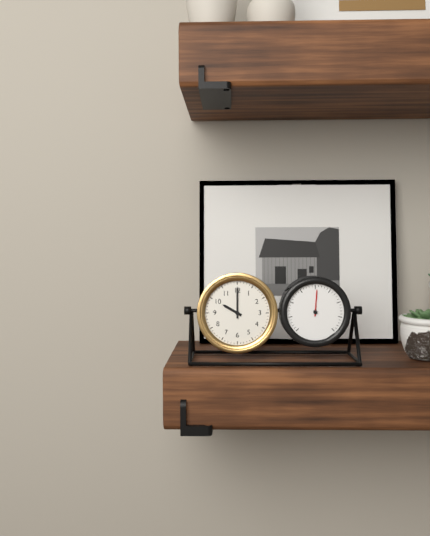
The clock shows 10.00
